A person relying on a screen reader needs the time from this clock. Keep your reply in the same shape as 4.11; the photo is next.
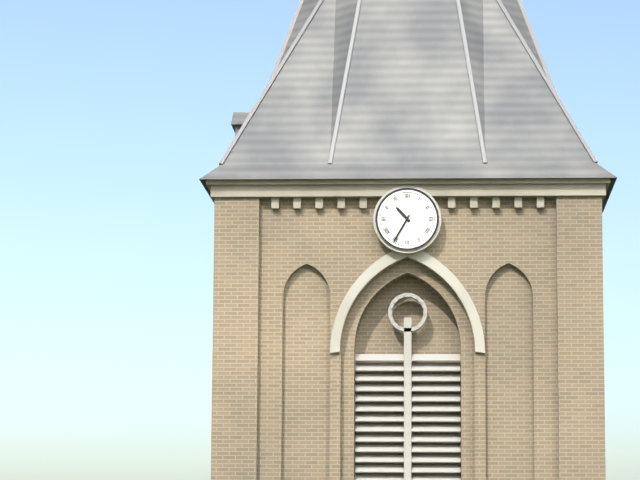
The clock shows 10.35
